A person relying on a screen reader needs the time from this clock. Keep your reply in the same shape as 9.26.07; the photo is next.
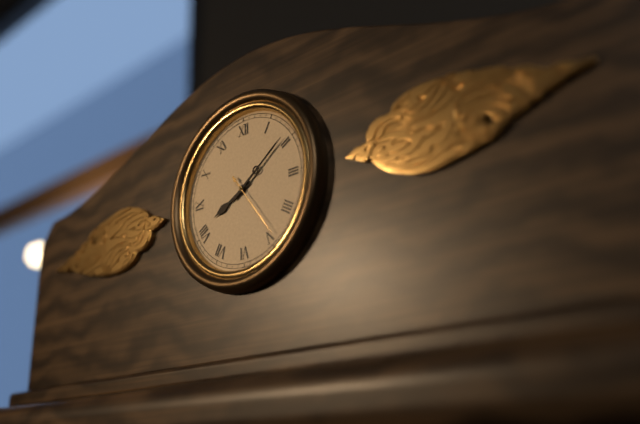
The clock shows 8.09.24
